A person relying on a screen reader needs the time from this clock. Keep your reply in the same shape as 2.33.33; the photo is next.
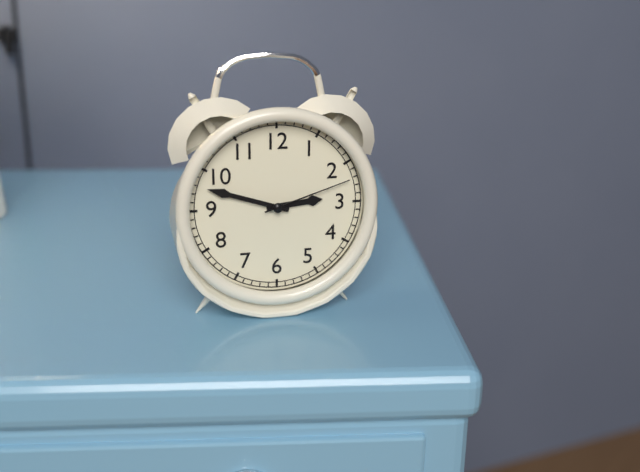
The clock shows 2.48.12
